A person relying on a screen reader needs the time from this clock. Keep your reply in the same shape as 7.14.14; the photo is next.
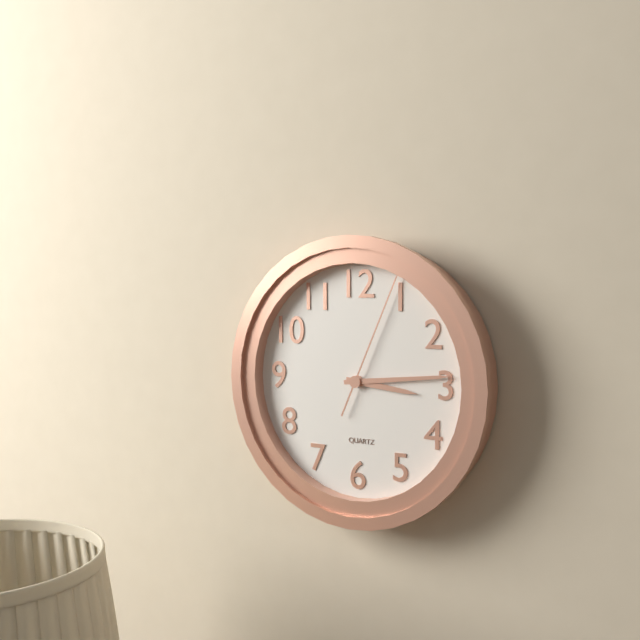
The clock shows 3.14.04
